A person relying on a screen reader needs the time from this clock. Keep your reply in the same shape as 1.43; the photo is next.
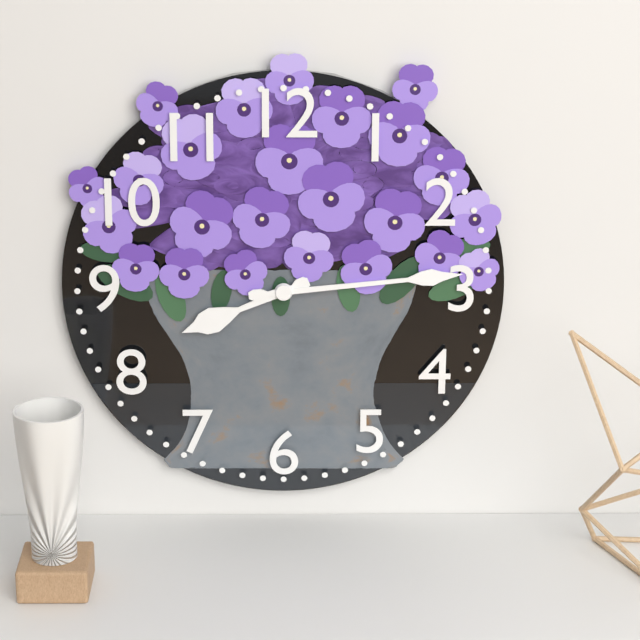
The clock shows 8.14
